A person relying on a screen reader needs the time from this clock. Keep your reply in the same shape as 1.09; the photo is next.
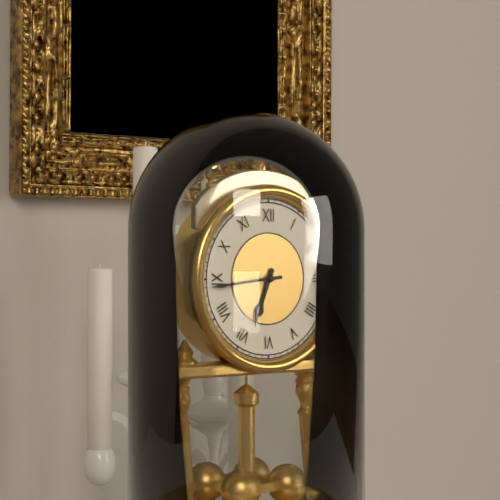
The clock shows 6.44
